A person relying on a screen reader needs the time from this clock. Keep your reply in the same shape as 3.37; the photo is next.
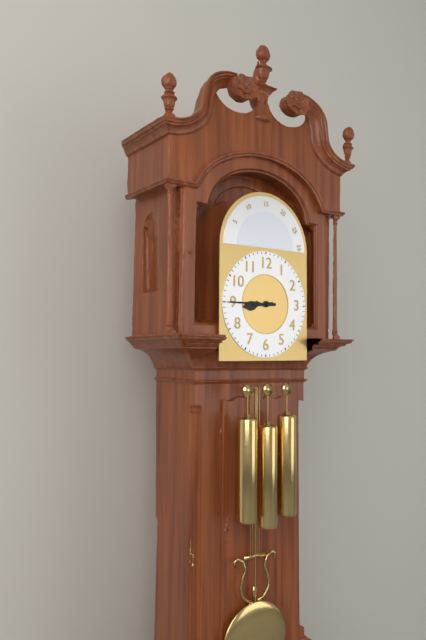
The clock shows 8.45
